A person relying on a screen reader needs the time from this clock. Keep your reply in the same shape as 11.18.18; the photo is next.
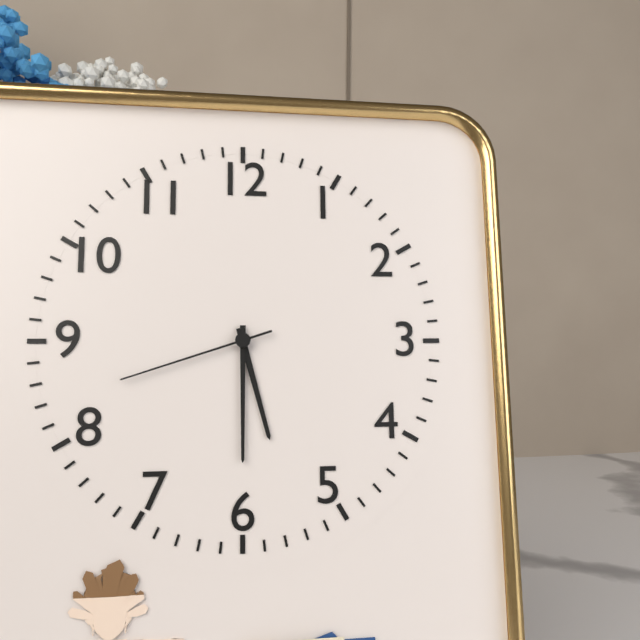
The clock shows 5.30.42
